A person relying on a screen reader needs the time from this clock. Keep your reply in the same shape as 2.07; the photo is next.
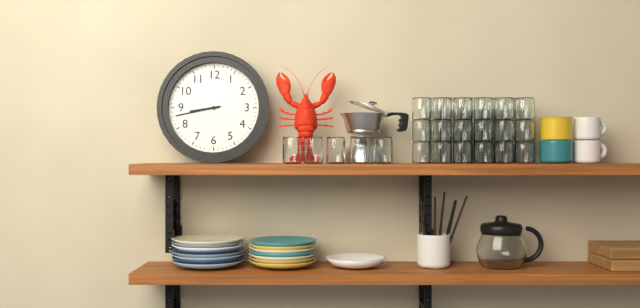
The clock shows 8.43
